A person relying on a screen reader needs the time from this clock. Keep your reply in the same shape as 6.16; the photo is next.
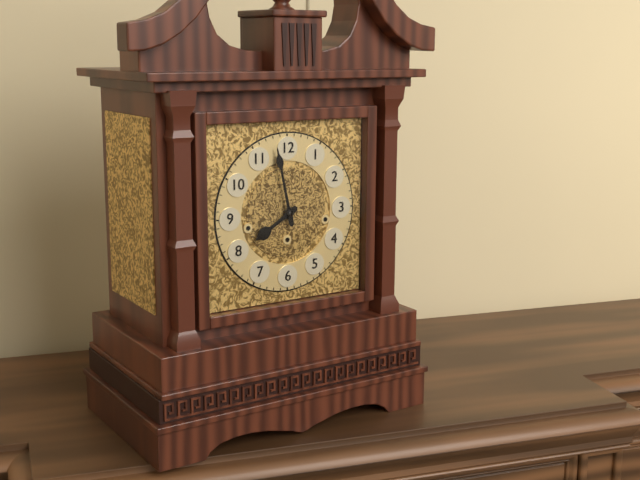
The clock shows 7.58
